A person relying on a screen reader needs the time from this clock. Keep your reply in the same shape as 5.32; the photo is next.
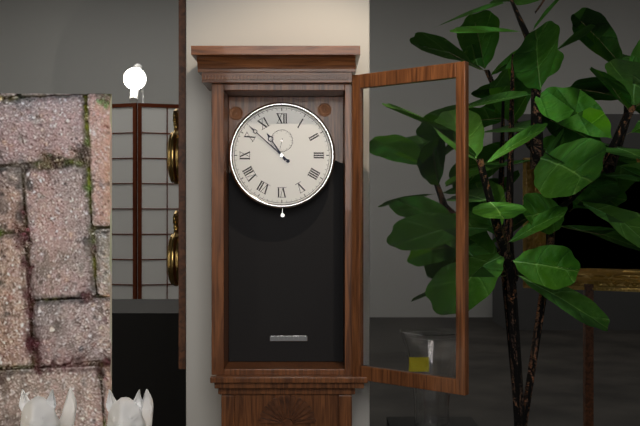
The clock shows 10.52
